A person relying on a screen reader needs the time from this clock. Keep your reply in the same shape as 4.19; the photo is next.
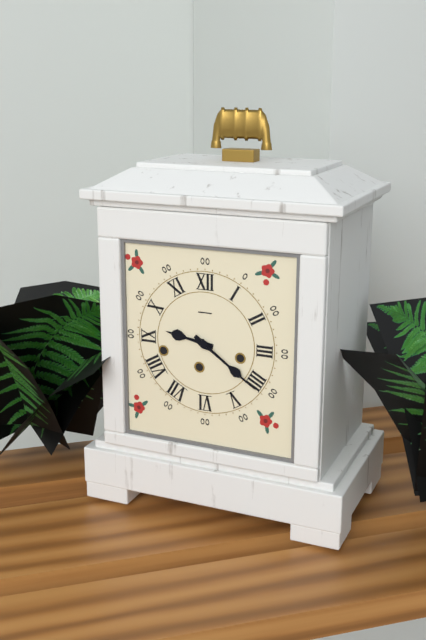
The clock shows 9.21
